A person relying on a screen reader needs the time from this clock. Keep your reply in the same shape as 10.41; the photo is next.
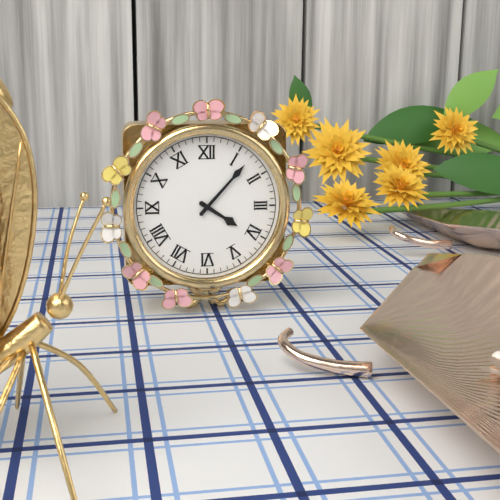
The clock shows 4.07
